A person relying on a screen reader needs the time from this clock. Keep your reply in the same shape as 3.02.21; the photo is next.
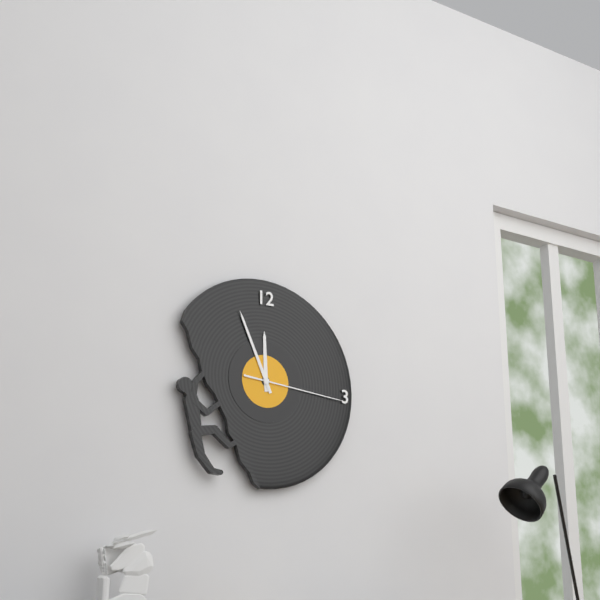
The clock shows 11.56.16
